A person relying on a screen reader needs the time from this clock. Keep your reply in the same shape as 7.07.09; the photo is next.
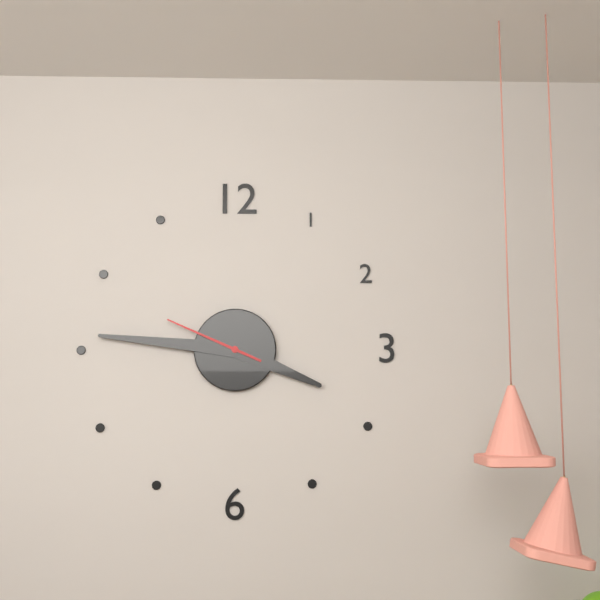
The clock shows 3.46.49
